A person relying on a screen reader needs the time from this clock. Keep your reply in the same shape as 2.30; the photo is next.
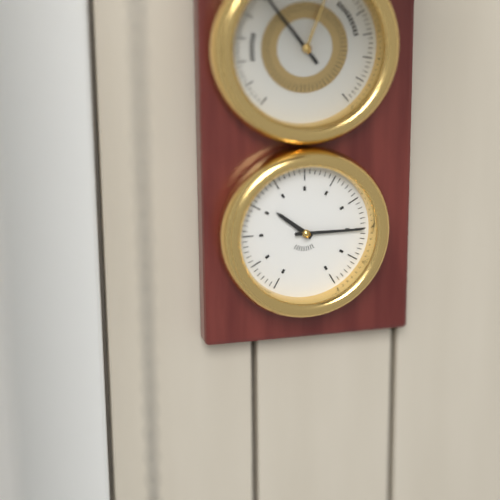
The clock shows 10.15
